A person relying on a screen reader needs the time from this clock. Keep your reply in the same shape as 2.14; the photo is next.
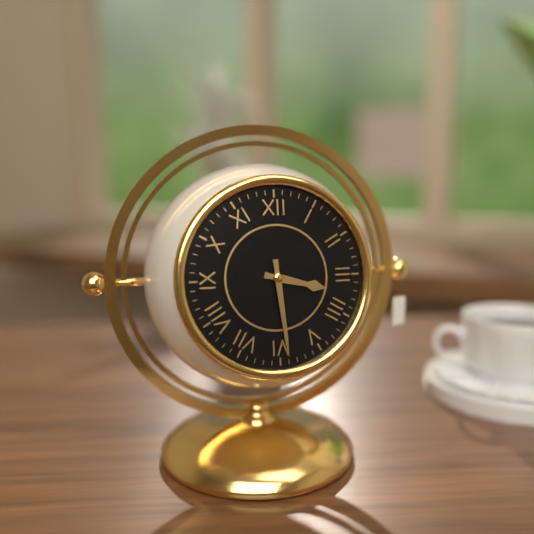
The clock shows 3.29
